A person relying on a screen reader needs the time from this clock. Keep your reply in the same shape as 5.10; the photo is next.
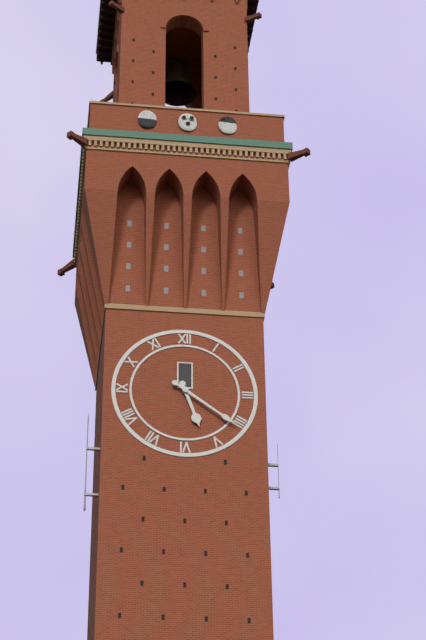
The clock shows 5.21
